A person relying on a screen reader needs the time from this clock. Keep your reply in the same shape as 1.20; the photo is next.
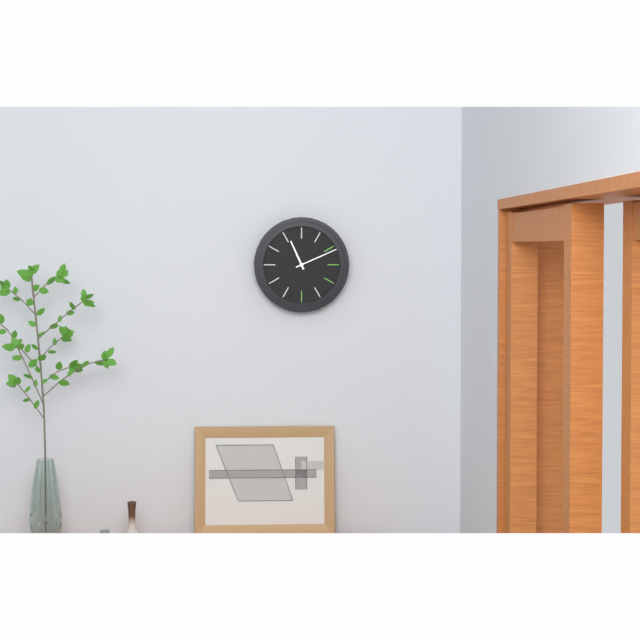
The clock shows 11.11
